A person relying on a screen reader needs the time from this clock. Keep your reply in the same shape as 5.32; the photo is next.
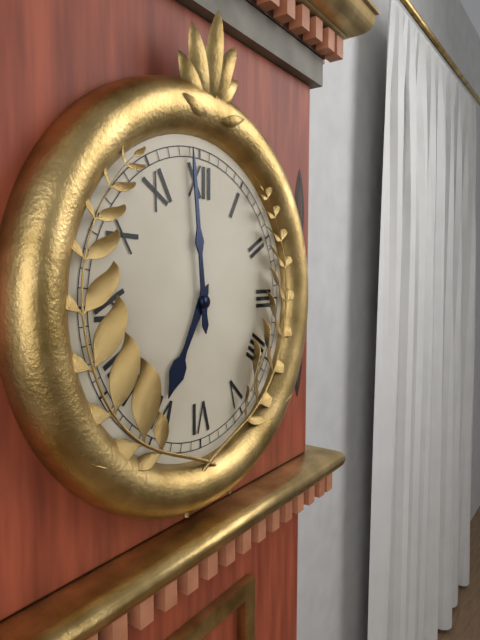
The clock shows 6.59
